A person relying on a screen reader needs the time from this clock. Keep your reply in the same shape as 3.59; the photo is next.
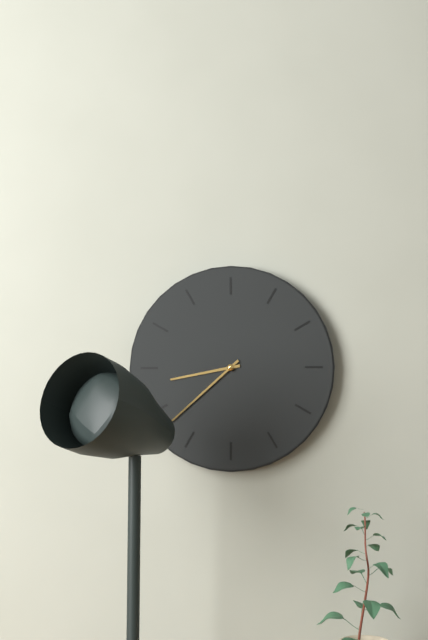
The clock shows 8.38
